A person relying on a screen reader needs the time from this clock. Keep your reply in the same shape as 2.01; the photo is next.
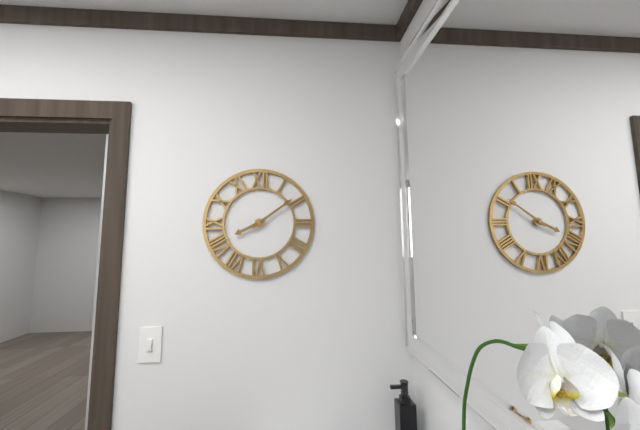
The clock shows 8.09
